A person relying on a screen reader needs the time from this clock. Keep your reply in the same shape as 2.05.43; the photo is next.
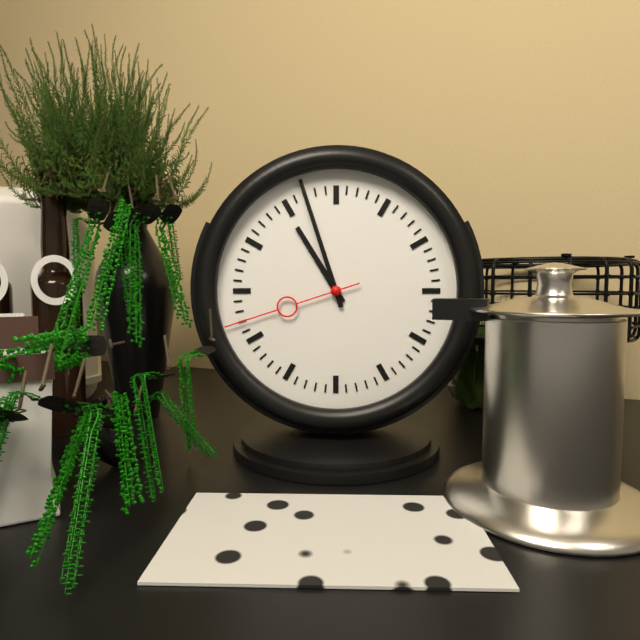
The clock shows 10.57.42
